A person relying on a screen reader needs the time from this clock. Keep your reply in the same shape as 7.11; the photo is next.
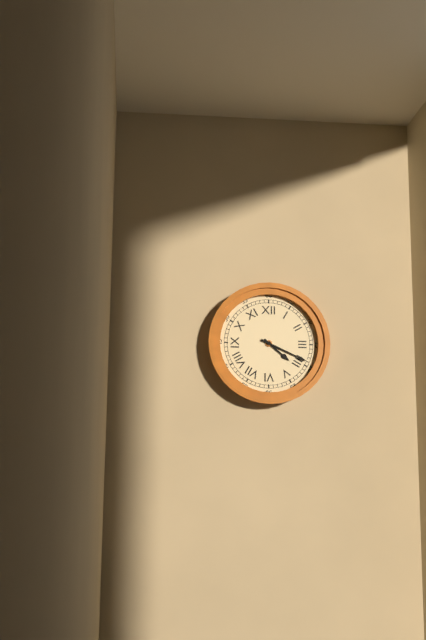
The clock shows 4.19
